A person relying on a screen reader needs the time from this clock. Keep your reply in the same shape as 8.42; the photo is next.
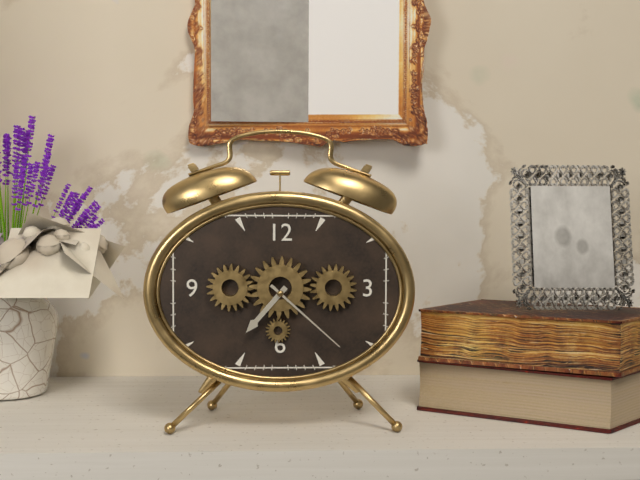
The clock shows 7.22
